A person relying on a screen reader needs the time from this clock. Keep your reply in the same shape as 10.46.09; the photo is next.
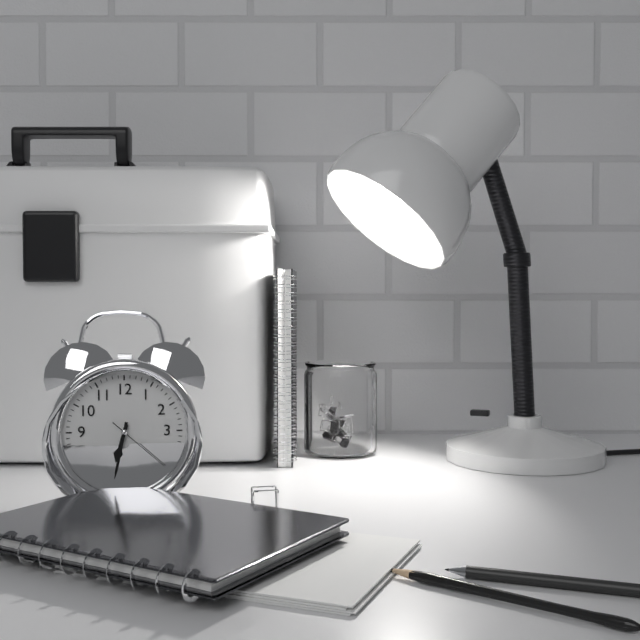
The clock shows 6.32.22
